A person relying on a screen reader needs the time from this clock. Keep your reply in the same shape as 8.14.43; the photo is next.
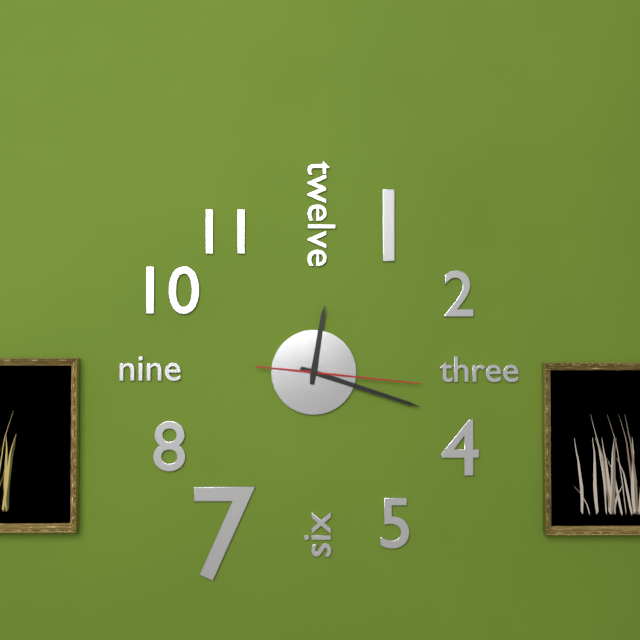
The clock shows 12.18.16
